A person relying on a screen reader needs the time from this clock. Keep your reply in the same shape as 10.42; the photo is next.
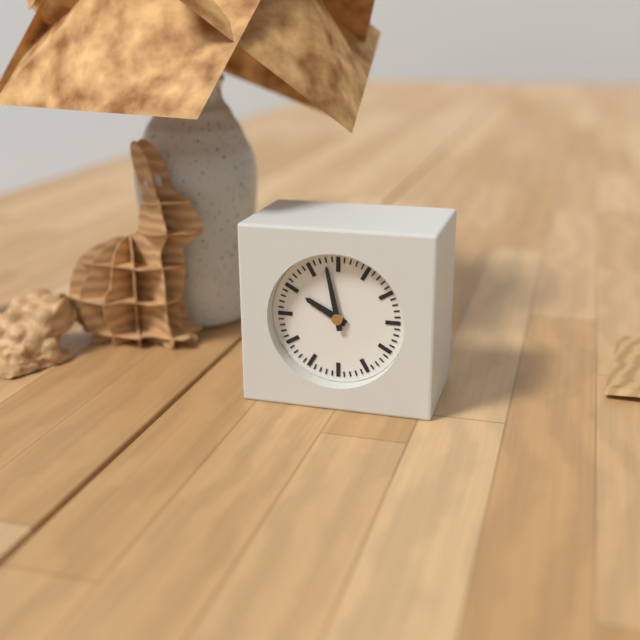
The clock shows 9.58
